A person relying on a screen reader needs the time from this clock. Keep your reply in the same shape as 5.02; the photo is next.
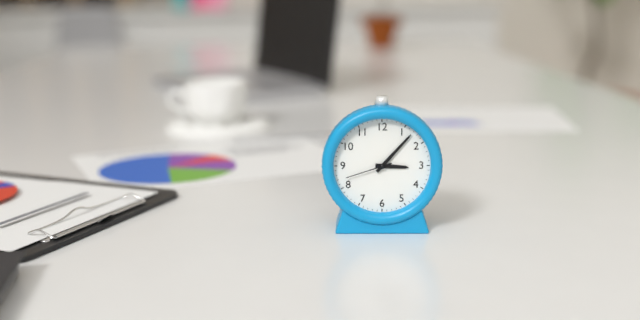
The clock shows 3.07
